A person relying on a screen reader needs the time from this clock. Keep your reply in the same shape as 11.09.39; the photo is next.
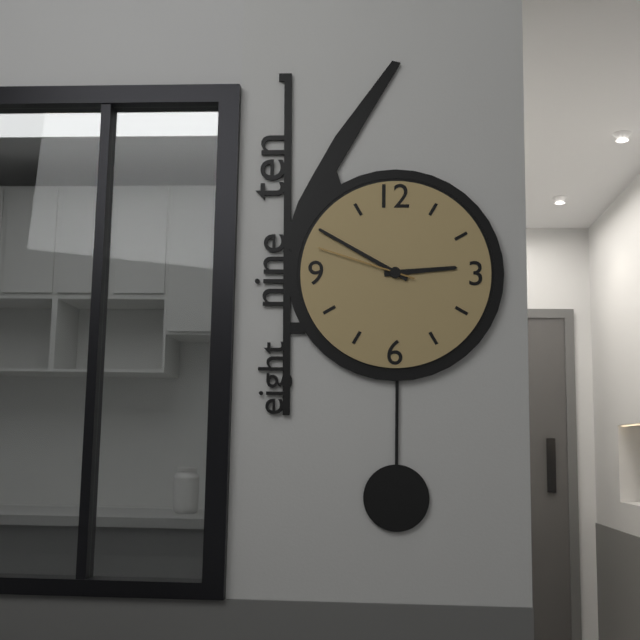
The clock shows 2.50.48
